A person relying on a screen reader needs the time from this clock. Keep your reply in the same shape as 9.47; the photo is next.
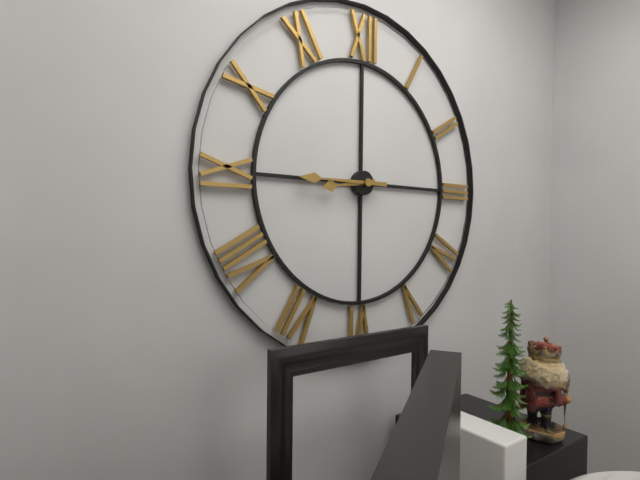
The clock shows 8.45
